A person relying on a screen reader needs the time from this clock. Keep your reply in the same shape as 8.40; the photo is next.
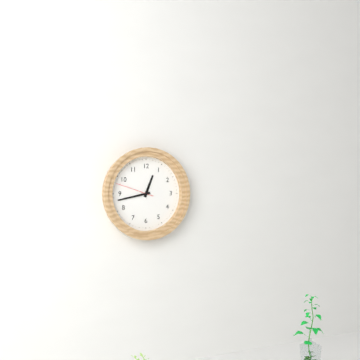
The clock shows 12.43
